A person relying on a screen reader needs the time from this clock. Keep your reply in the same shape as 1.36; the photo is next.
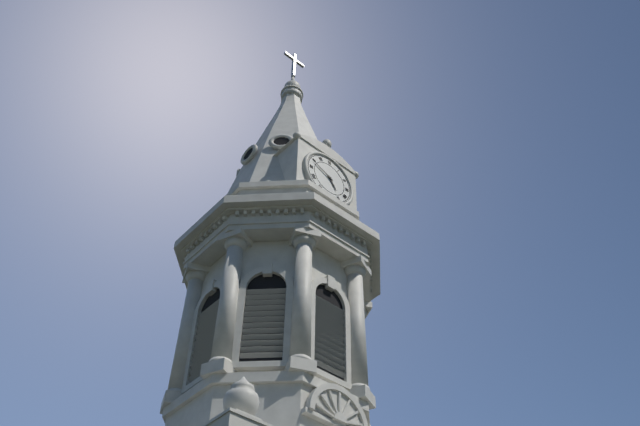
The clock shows 4.49
